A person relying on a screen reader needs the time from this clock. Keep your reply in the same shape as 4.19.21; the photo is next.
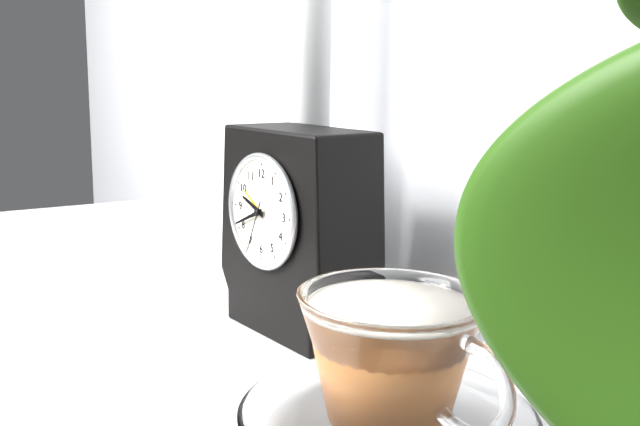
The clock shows 9.41.34
